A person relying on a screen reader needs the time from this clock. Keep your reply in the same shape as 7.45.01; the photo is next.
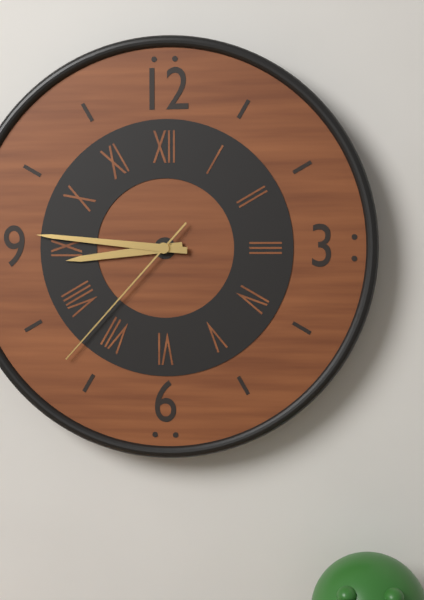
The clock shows 8.46.37
